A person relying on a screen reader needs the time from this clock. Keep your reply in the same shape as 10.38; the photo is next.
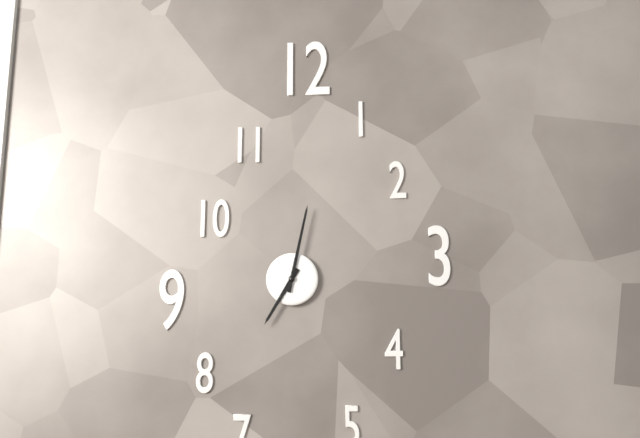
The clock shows 7.02
